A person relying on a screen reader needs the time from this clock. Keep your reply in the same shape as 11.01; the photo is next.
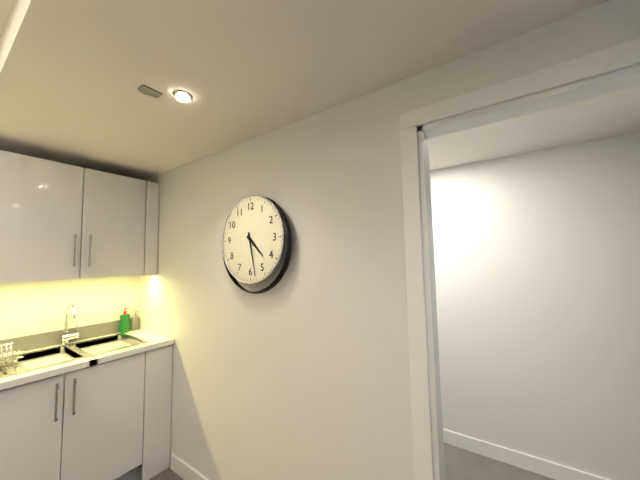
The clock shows 4.28
